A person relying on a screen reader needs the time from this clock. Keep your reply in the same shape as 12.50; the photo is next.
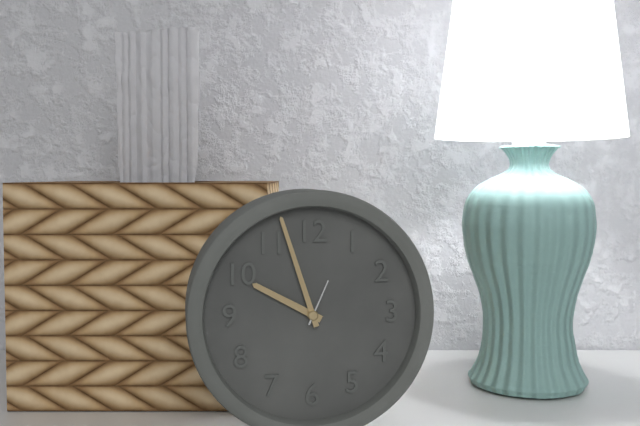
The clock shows 9.57
